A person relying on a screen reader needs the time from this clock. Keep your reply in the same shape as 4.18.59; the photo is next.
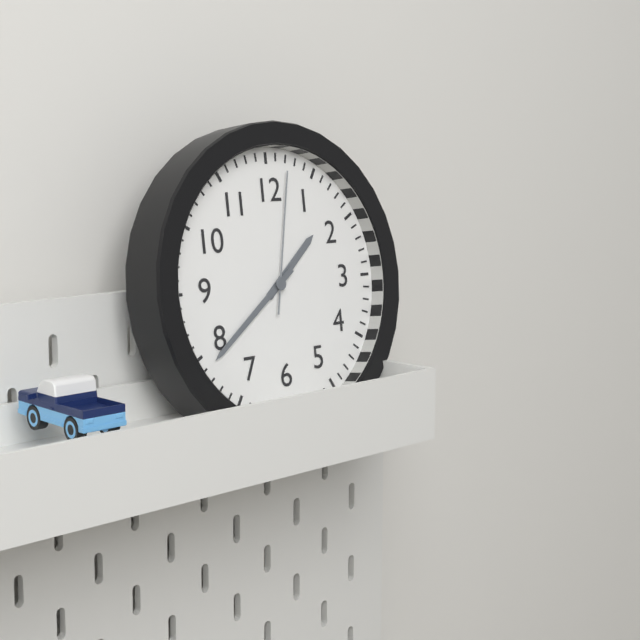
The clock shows 1.39.02
